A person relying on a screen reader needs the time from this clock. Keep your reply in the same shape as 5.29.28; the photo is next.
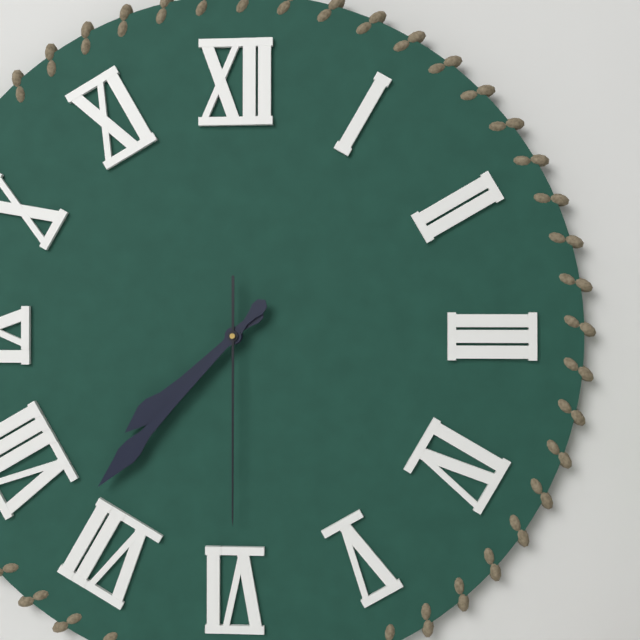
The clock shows 7.37.30
